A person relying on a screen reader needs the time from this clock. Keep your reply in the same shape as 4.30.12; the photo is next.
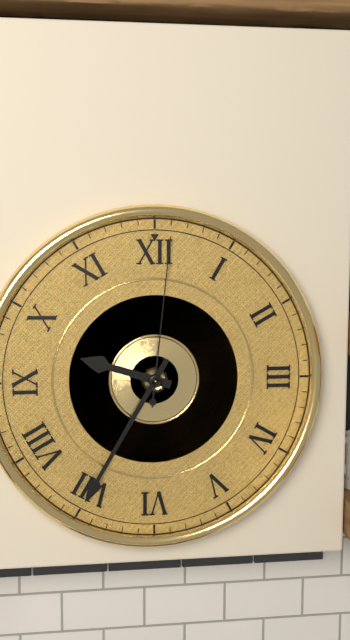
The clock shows 9.35.01
